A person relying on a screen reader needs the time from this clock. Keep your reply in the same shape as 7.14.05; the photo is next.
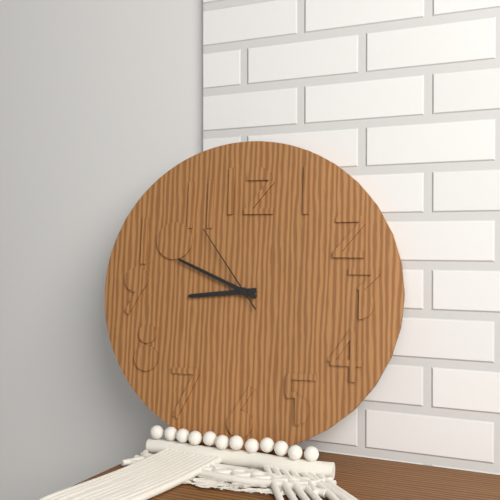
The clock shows 8.49.54
